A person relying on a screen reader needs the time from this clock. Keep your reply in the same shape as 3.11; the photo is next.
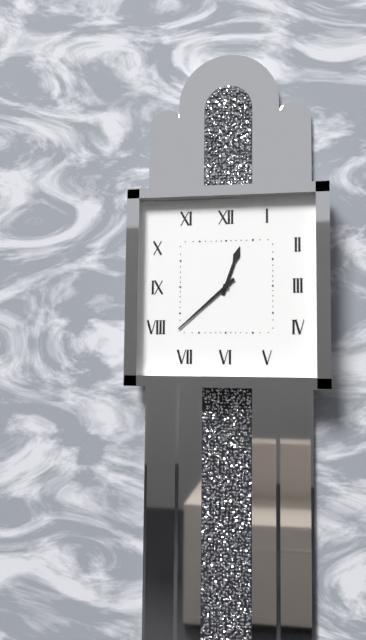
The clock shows 12.38
